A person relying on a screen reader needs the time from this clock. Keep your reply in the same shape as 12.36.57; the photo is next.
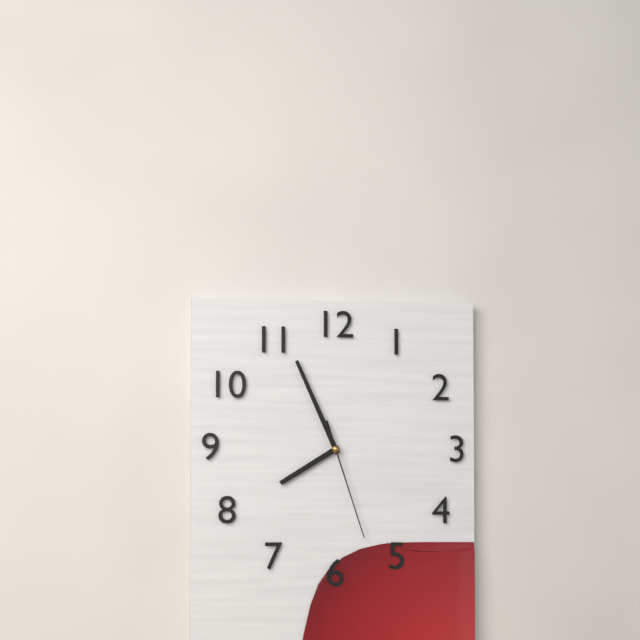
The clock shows 7.56.27
